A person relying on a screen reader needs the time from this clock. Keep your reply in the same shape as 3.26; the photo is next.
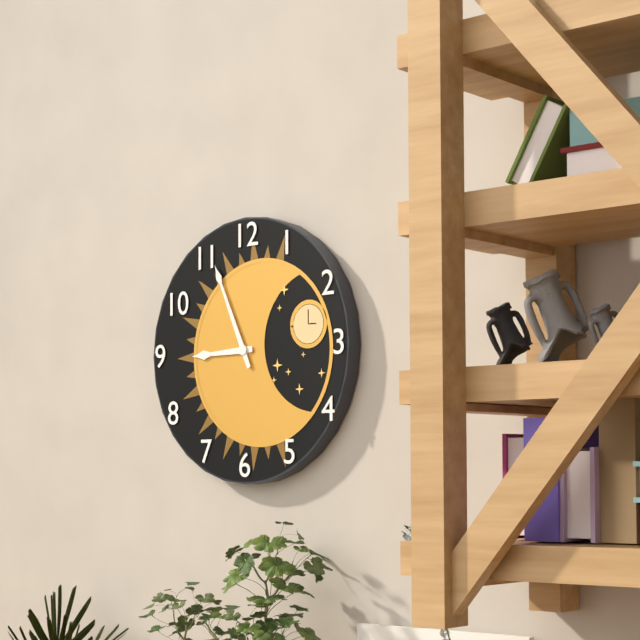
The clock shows 8.56
